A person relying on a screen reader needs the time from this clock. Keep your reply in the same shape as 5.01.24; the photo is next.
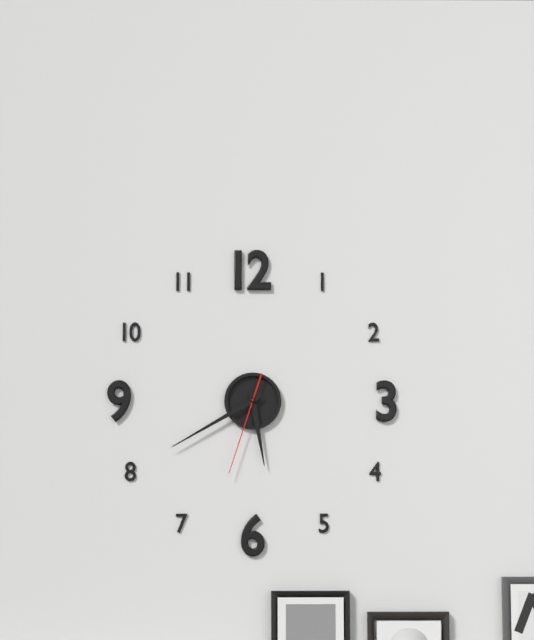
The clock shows 5.40.33
